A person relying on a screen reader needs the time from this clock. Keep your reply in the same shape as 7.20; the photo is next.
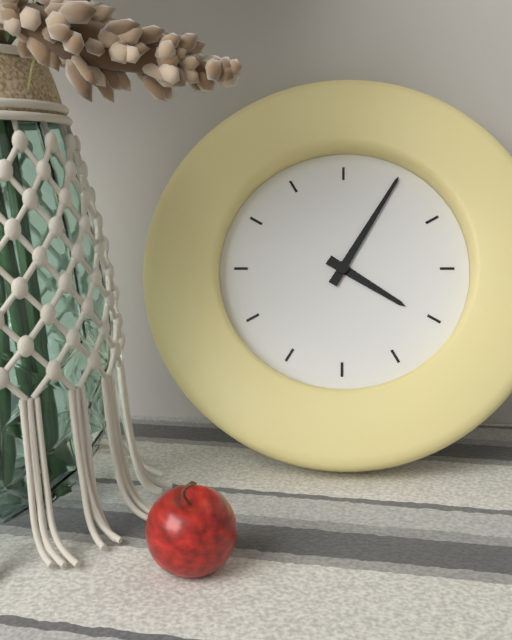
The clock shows 4.05
